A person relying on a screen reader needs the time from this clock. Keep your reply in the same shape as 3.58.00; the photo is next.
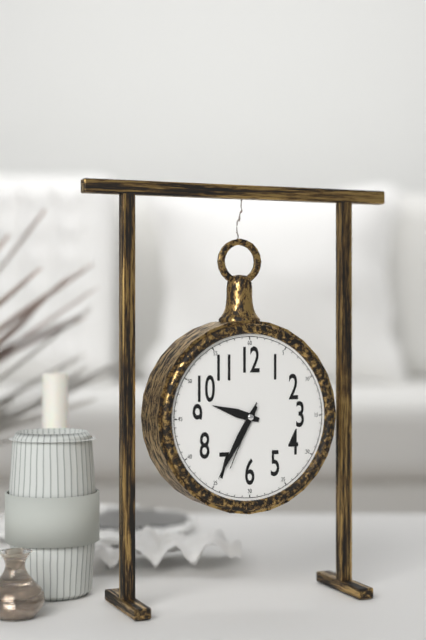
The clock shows 9.35.34
